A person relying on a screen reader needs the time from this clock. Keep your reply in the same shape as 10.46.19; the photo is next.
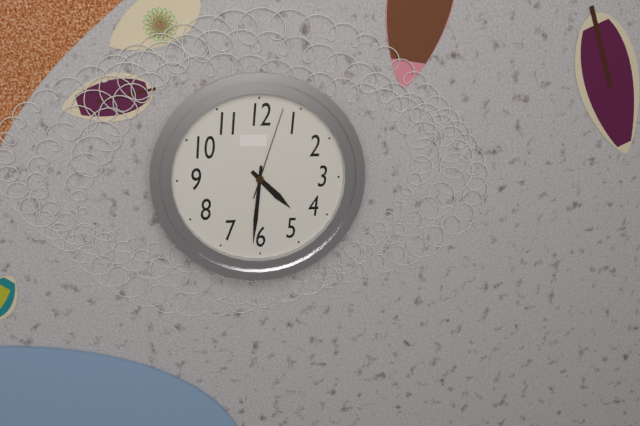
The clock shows 4.31.03
